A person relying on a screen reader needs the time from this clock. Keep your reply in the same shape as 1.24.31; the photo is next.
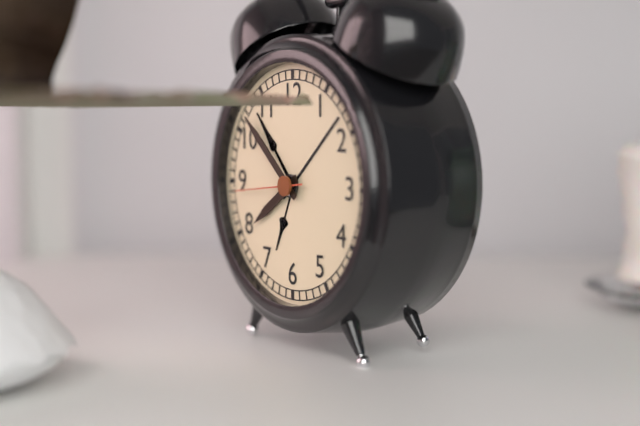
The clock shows 7.52.44
